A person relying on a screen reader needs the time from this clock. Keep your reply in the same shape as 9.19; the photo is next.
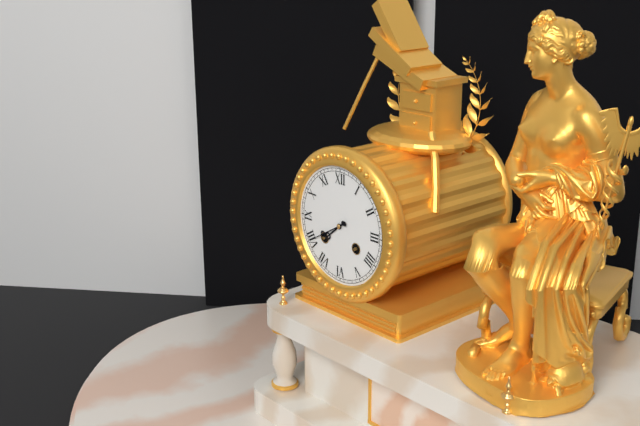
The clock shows 7.40
